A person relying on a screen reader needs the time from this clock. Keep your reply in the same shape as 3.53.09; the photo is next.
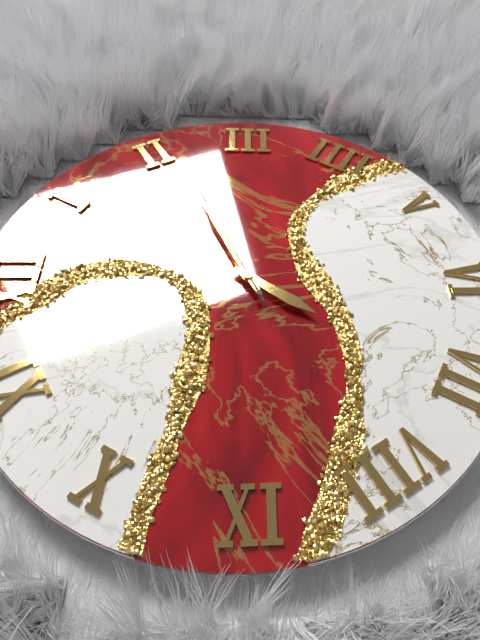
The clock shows 7.11.11
